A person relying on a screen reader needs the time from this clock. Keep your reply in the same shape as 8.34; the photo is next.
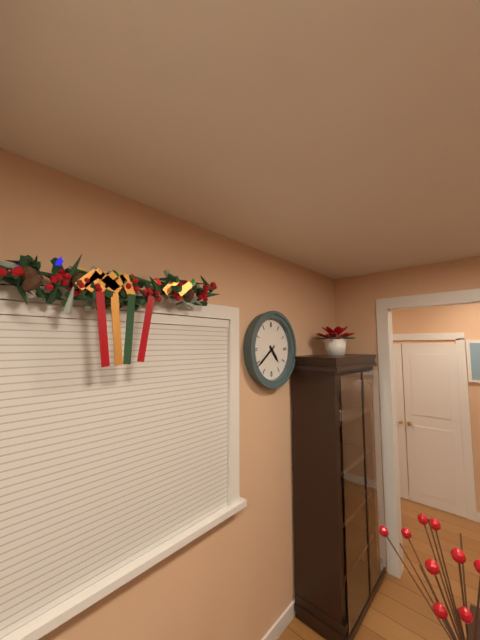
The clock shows 4.39
